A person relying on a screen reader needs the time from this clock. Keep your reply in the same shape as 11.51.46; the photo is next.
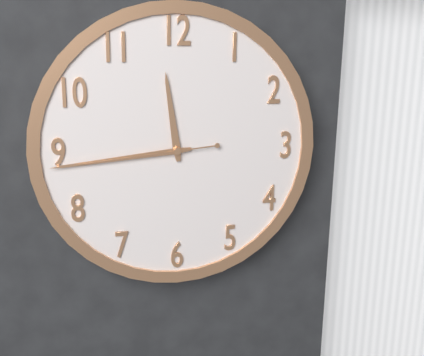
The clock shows 11.44.44
